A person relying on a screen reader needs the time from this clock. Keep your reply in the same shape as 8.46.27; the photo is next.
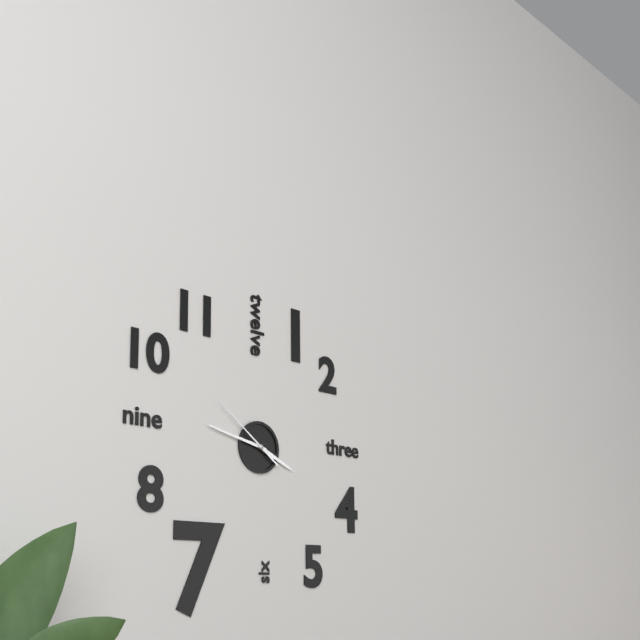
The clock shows 3.47.51
